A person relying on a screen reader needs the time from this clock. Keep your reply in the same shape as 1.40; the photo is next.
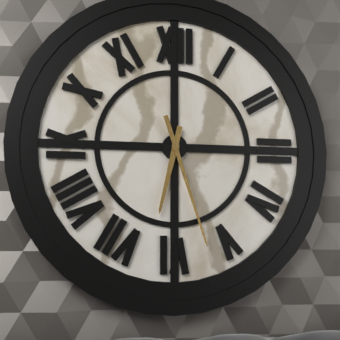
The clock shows 6.27
